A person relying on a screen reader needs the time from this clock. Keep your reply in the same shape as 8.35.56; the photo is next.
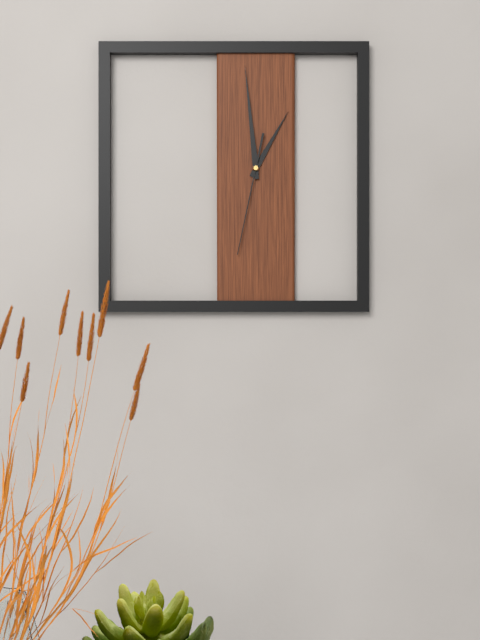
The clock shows 12.59.32
